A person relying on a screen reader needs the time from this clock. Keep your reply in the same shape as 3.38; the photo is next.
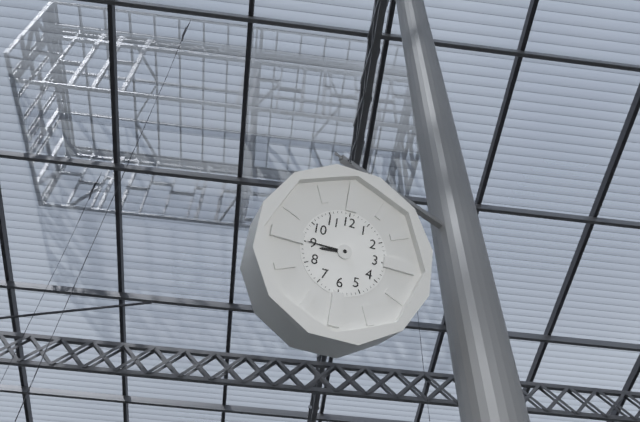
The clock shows 8.45
